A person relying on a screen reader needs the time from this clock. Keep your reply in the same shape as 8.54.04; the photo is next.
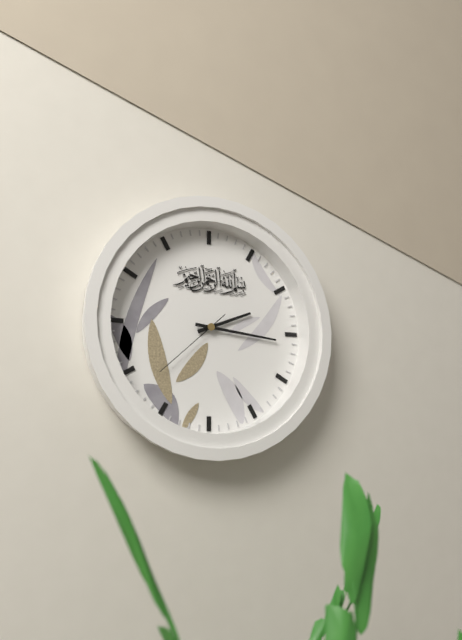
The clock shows 2.16.38
